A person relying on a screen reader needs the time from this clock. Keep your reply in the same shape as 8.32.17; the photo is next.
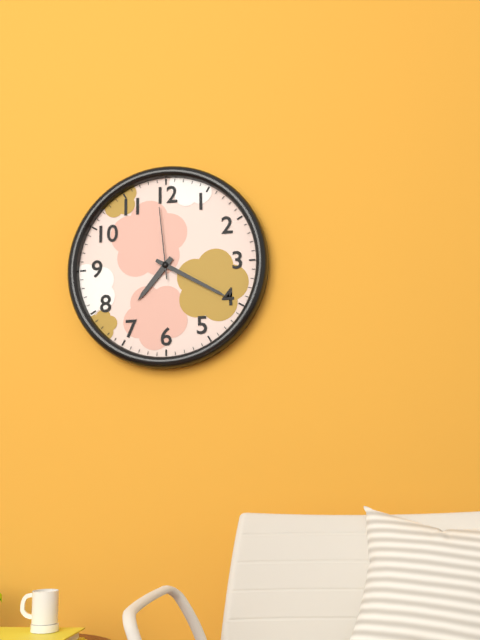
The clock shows 7.20.59
